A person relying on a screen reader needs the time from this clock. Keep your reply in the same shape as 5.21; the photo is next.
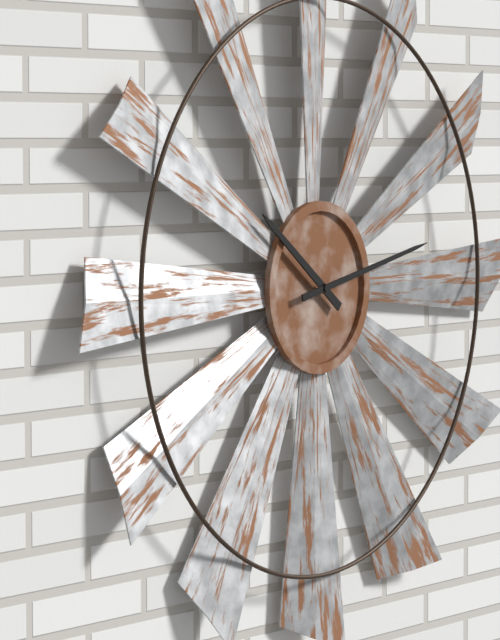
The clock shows 10.13
